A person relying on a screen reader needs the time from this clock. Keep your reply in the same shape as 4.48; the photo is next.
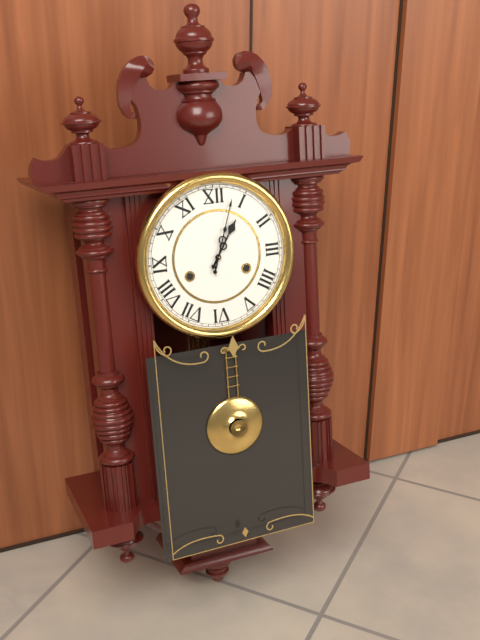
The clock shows 1.03
